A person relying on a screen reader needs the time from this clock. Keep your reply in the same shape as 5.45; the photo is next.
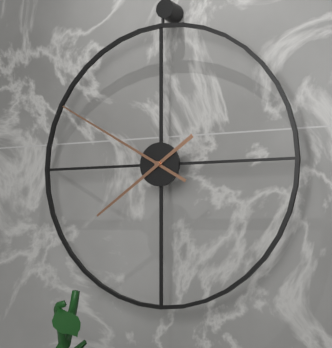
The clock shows 7.50
